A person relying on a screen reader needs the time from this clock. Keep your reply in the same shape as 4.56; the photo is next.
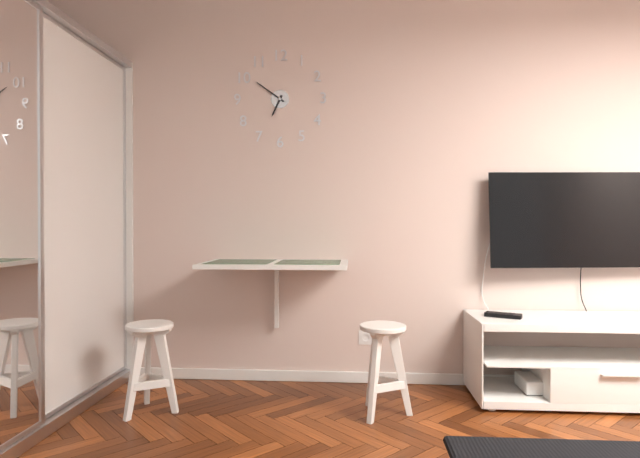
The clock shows 6.51
